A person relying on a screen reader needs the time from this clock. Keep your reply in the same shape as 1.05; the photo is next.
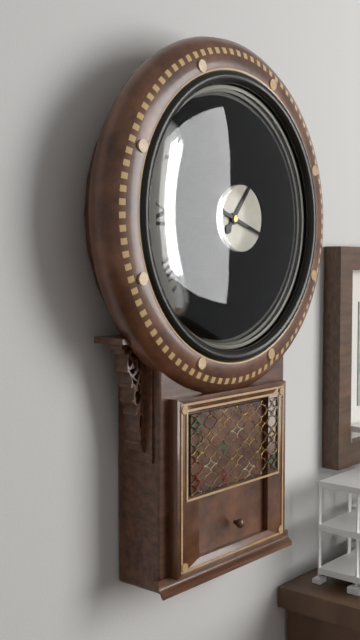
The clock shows 1.18
